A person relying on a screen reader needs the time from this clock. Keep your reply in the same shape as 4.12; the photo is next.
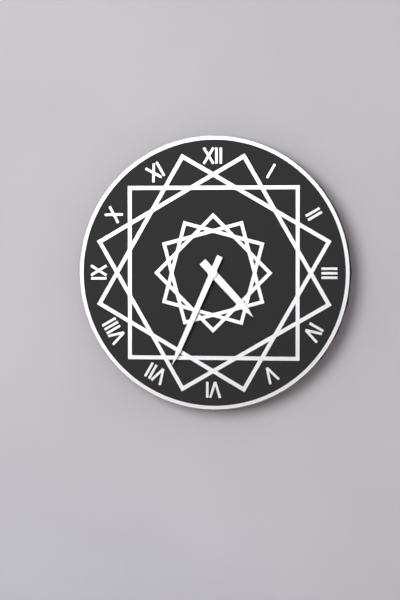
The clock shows 4.34
